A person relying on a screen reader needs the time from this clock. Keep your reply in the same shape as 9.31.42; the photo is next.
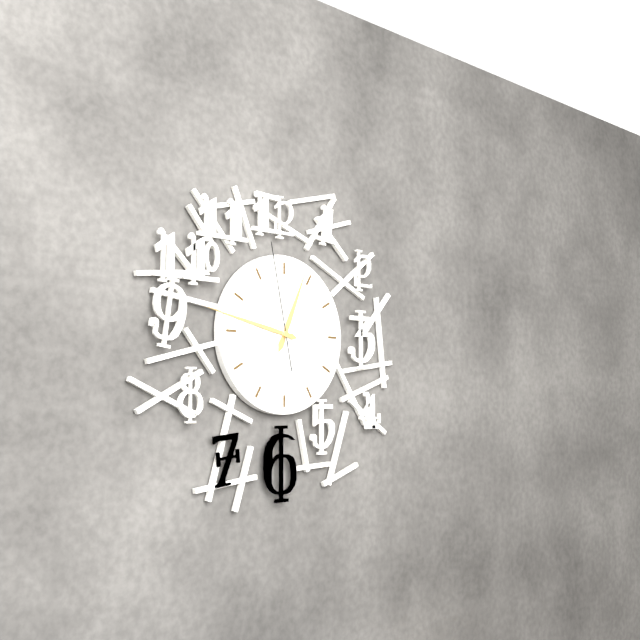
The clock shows 12.47.58
